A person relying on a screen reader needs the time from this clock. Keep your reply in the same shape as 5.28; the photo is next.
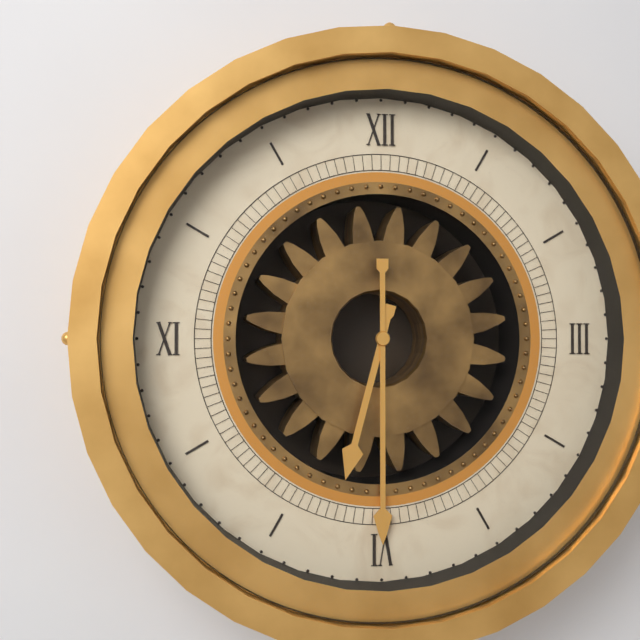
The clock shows 6.30
